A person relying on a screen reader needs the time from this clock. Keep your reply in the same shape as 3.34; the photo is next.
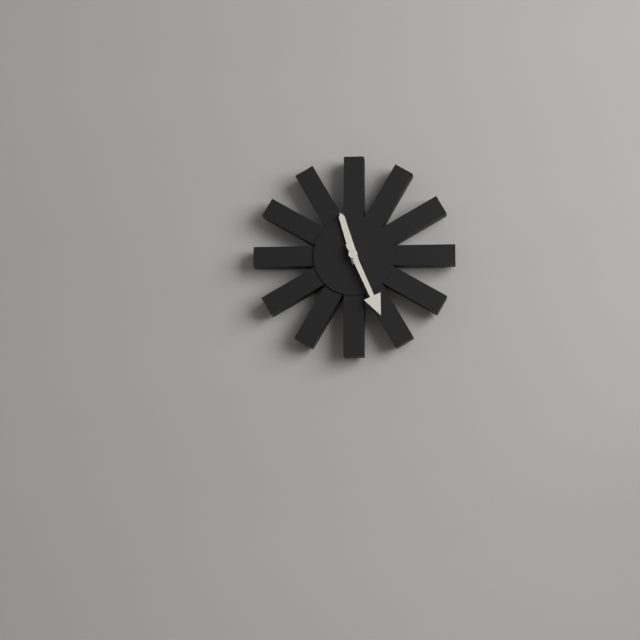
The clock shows 11.26
